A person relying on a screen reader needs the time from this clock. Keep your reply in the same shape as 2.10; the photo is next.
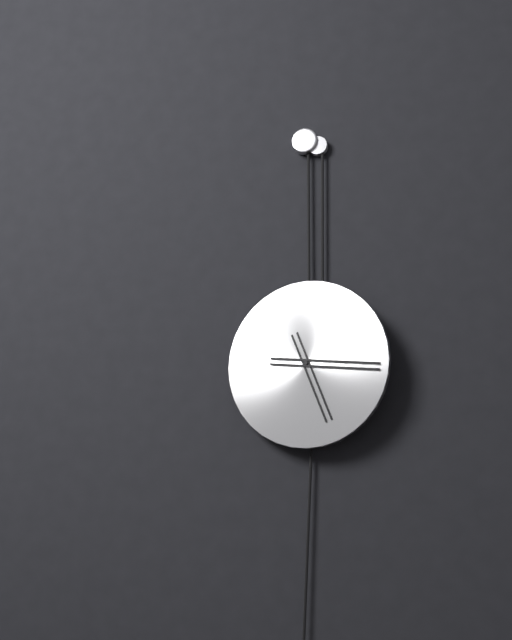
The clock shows 5.16
